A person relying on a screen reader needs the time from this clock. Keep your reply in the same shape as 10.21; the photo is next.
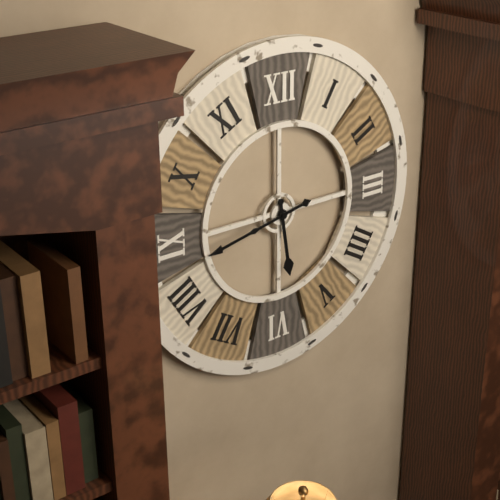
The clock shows 5.43
